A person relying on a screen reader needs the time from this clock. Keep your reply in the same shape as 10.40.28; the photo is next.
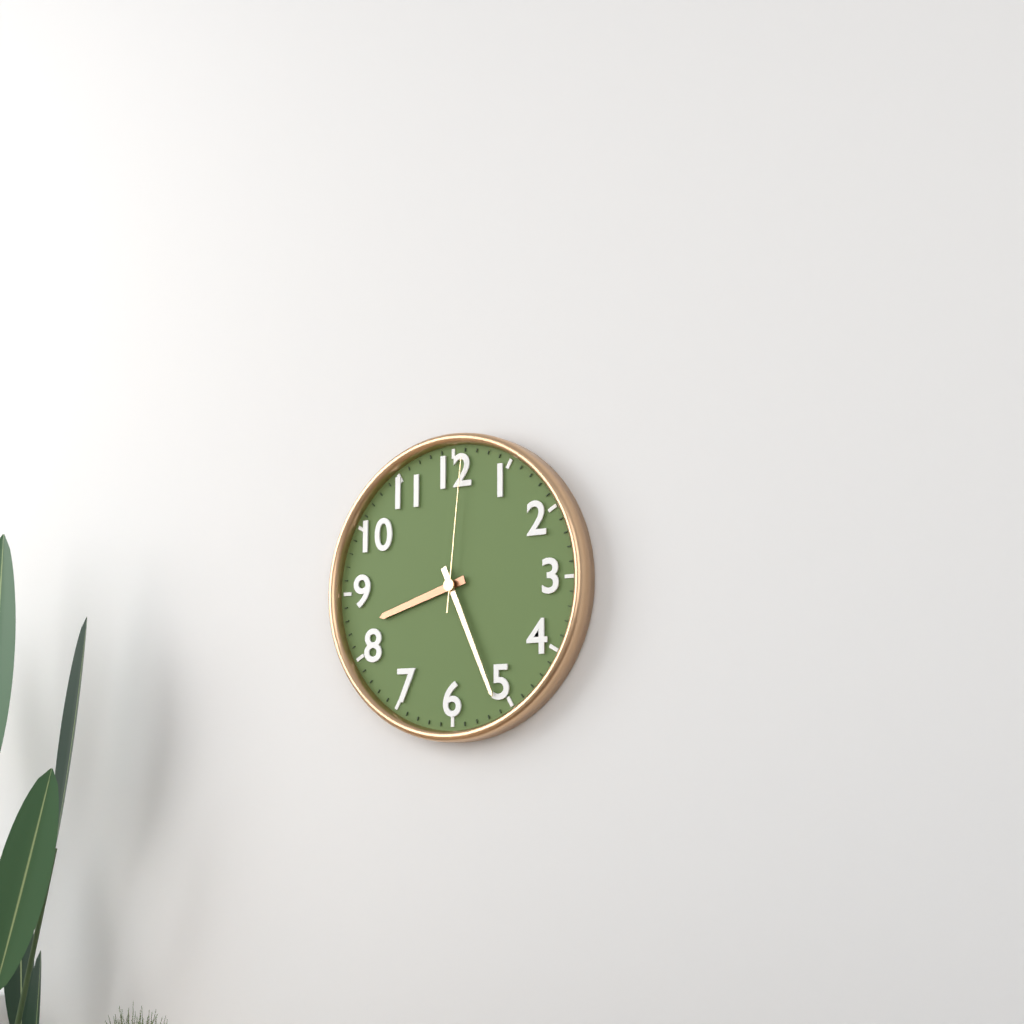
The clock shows 8.26.01
